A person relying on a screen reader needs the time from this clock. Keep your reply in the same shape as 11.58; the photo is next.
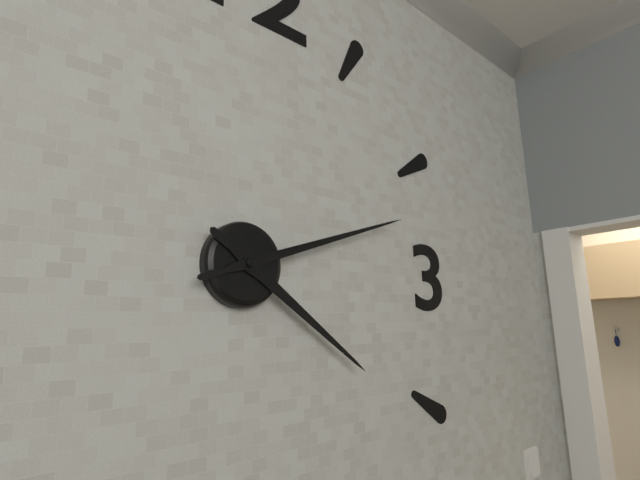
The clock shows 4.12
